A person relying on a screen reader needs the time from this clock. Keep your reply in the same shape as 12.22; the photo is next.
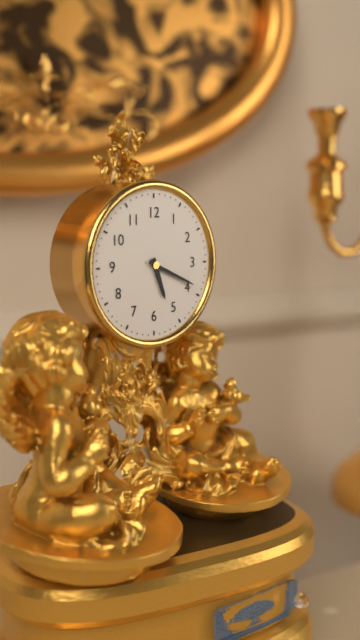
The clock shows 5.19
